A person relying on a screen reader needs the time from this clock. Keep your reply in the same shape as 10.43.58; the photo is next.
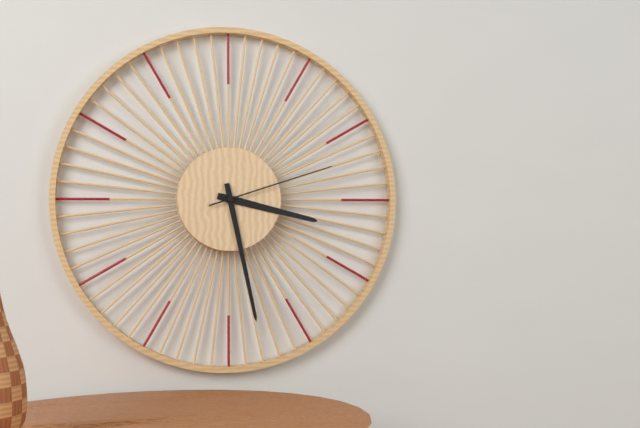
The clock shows 3.28.12
